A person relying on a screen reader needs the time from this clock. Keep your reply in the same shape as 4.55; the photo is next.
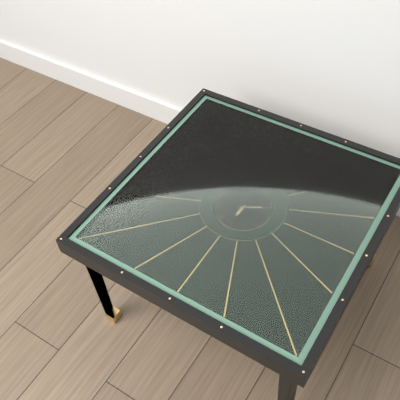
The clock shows 6.10
